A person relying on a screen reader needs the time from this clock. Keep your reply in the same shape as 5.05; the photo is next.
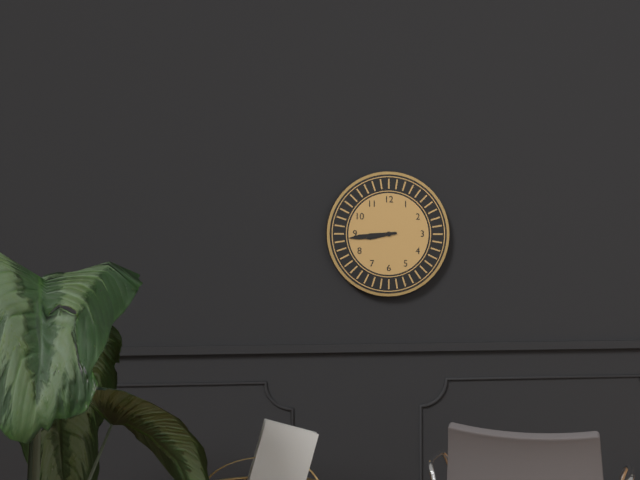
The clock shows 8.44
